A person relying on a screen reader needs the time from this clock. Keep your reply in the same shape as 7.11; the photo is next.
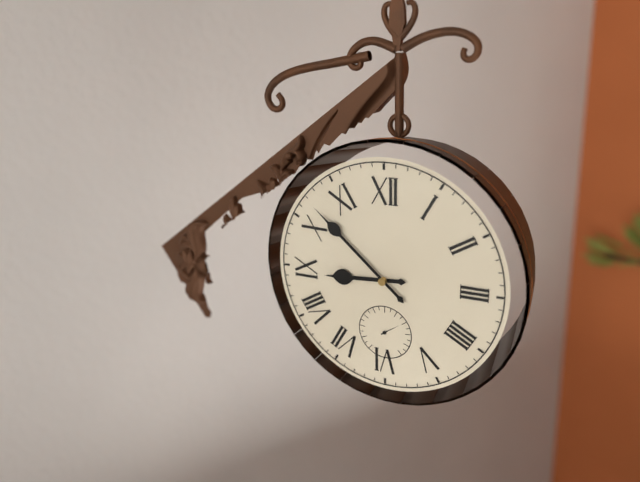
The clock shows 8.52
